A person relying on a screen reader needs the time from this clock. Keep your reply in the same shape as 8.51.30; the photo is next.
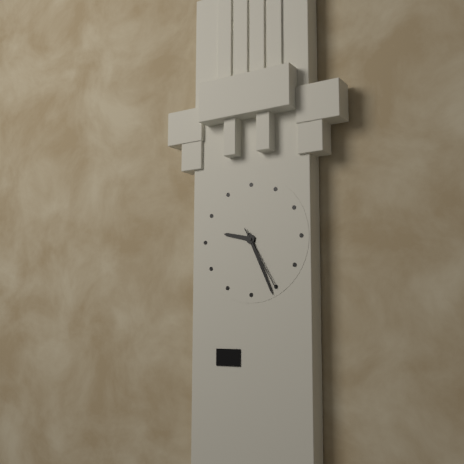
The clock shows 9.26.25
